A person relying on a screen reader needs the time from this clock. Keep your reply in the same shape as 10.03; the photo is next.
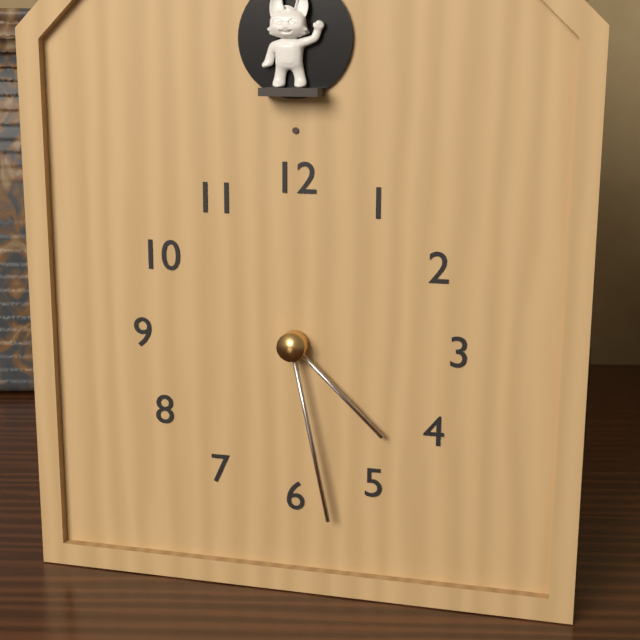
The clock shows 4.28
